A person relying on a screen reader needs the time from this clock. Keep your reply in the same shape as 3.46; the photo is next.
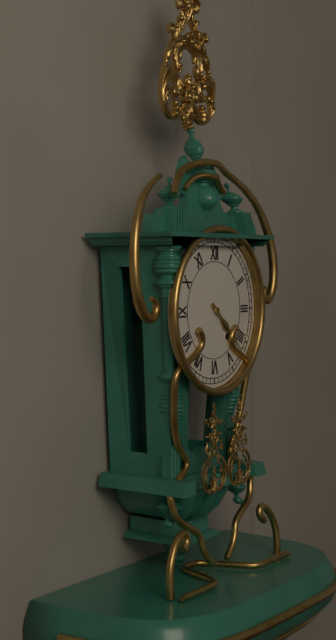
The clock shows 4.22
